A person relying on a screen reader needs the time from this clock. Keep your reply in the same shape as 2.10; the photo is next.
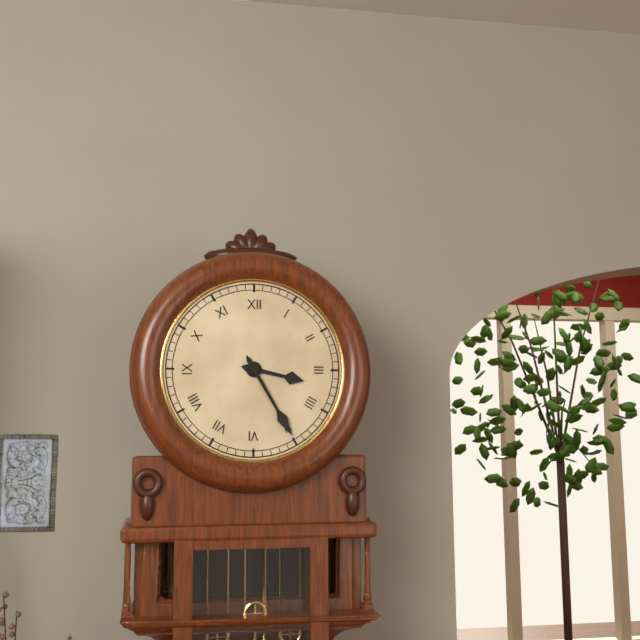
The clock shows 3.25
